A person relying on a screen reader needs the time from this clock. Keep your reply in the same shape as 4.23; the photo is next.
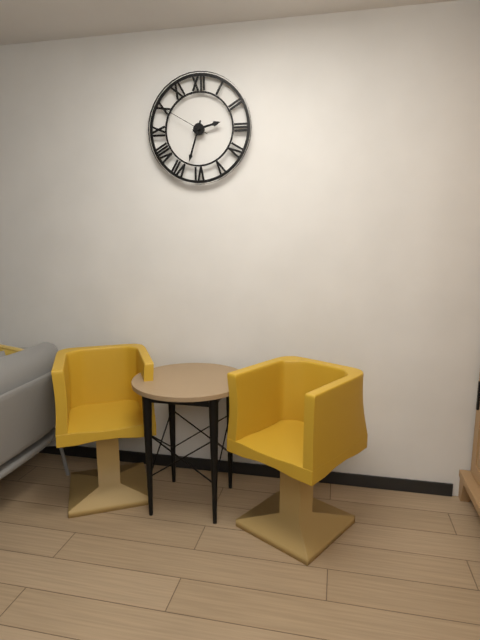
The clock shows 2.33
